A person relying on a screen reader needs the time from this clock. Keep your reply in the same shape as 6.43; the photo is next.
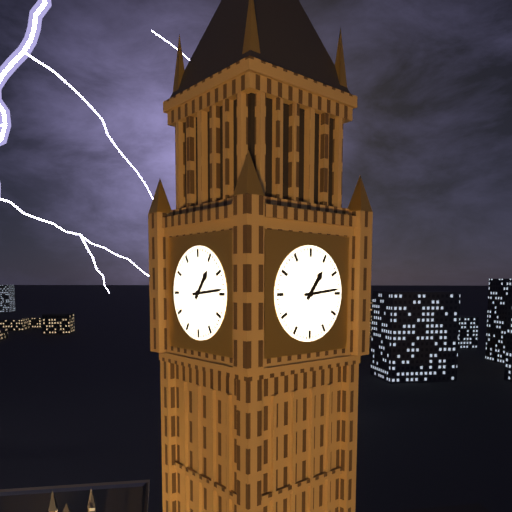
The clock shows 1.14
